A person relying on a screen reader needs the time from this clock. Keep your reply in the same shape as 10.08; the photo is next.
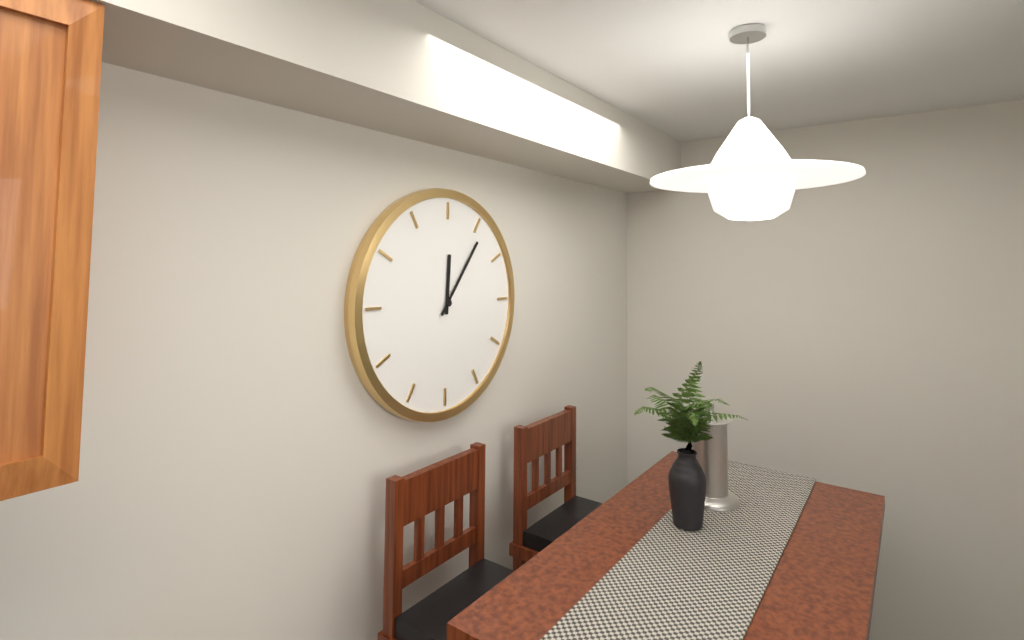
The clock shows 12.06
